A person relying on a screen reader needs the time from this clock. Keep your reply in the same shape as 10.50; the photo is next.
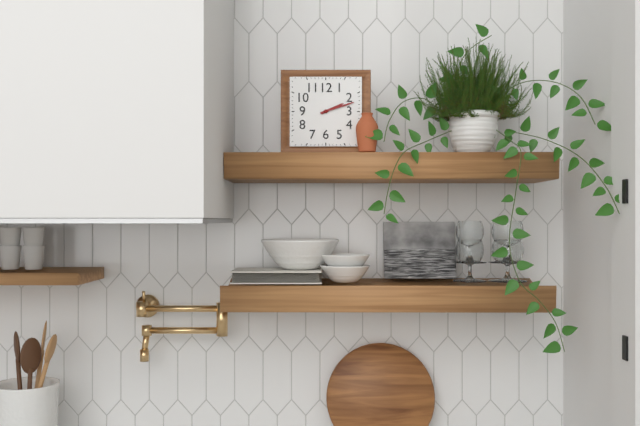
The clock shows 2.12
